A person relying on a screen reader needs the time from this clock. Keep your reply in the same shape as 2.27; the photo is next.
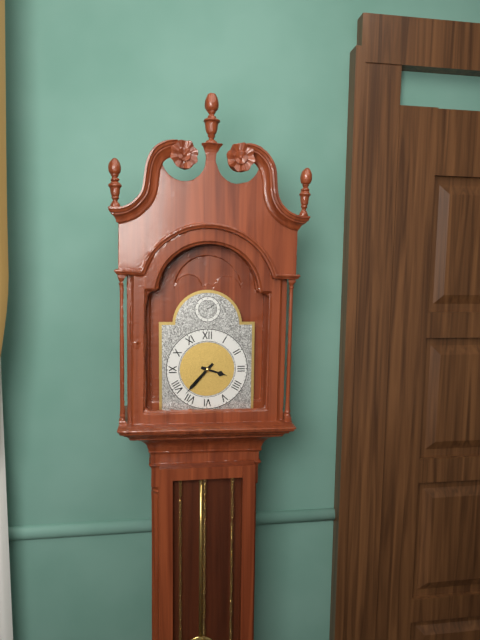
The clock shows 3.37
